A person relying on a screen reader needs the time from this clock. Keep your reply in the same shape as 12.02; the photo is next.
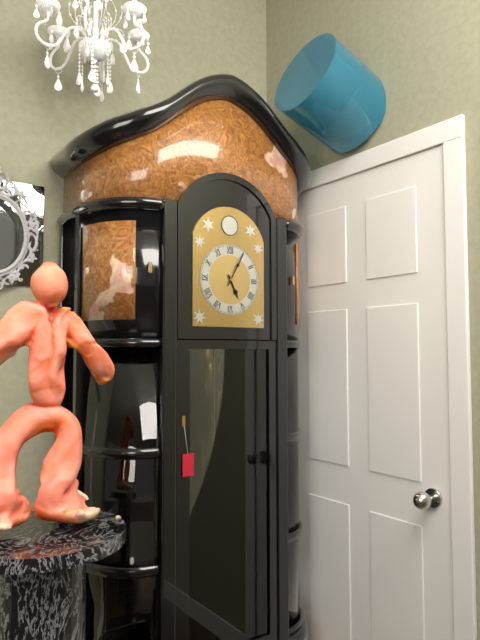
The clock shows 5.05
